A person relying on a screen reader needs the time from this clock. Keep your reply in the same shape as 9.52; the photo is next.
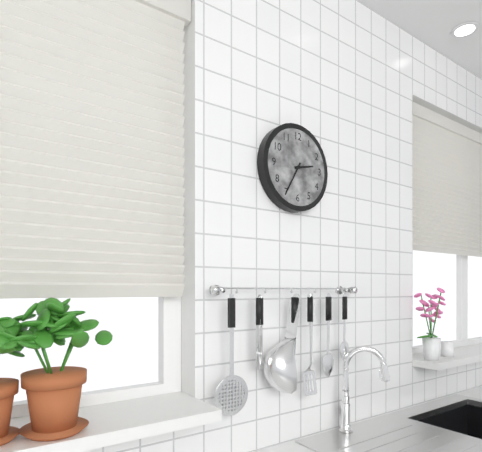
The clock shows 2.35
